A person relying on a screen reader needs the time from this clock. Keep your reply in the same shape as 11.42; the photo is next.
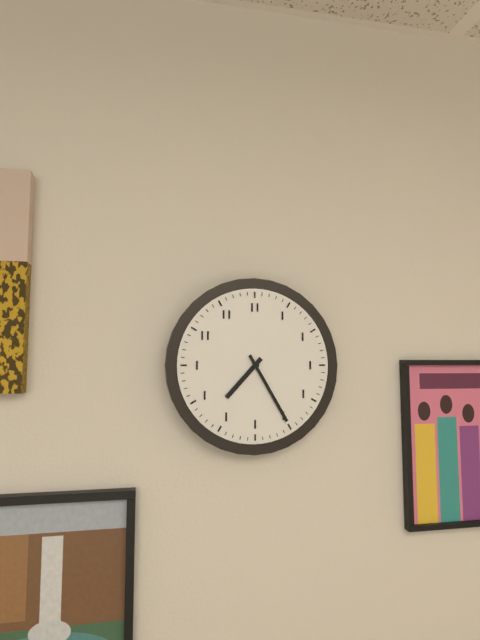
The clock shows 7.25
